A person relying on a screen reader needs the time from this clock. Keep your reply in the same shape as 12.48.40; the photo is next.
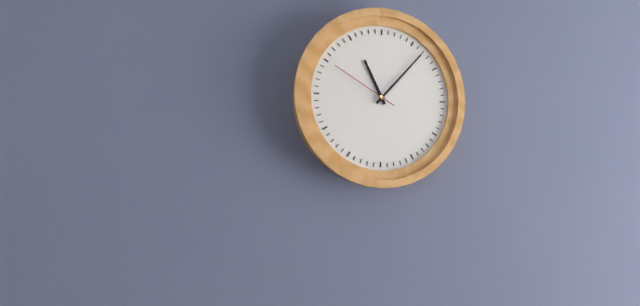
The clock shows 11.07.50
